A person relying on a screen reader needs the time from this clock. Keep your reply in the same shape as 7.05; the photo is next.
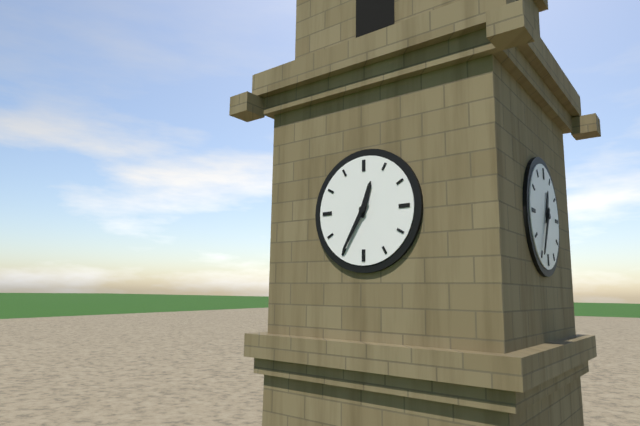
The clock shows 12.35
